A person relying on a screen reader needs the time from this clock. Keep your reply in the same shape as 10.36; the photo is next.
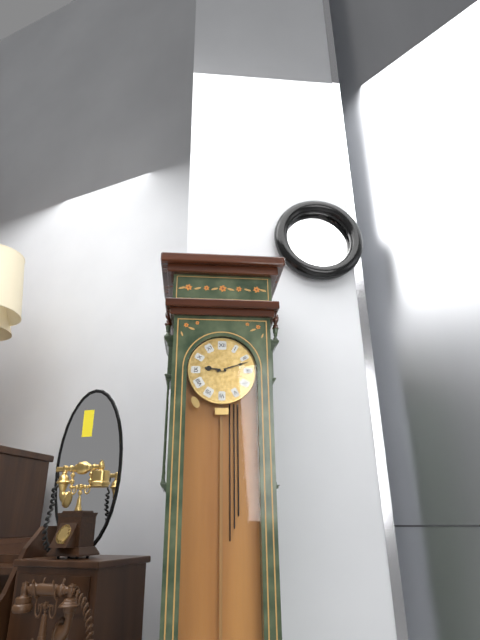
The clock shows 9.12
